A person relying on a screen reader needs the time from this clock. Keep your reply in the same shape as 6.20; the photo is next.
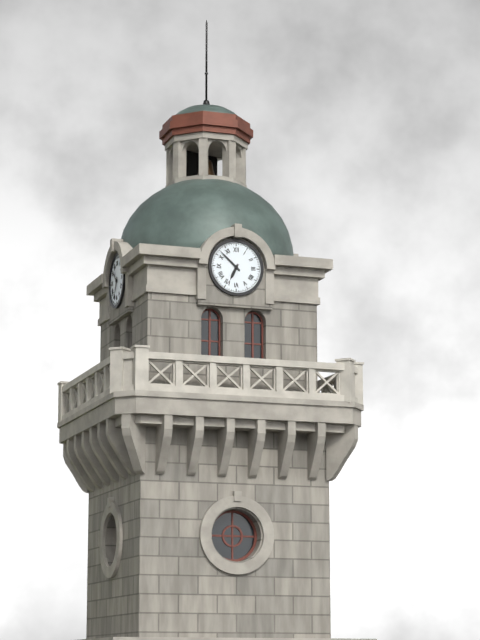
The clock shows 6.52
